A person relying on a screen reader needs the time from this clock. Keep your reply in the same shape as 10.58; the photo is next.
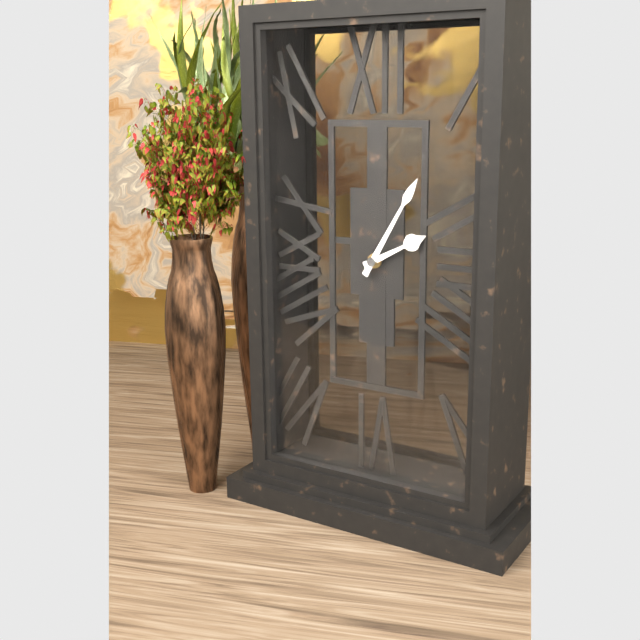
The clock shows 2.05
